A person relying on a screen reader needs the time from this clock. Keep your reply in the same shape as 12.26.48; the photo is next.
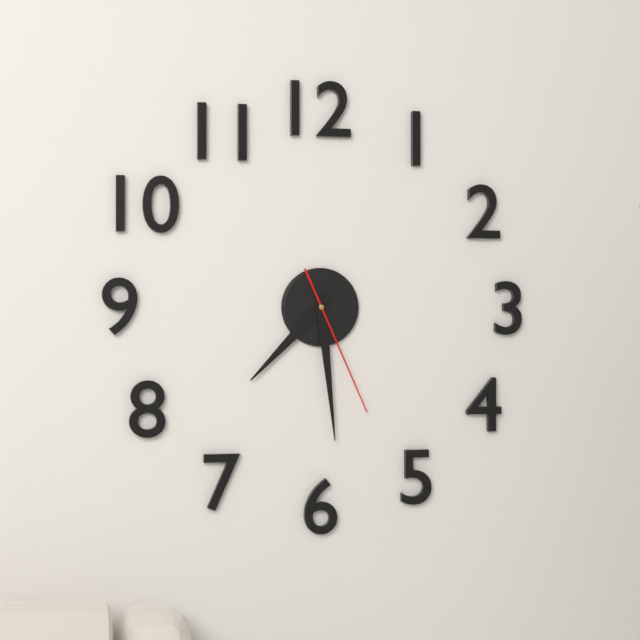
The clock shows 7.29.26
